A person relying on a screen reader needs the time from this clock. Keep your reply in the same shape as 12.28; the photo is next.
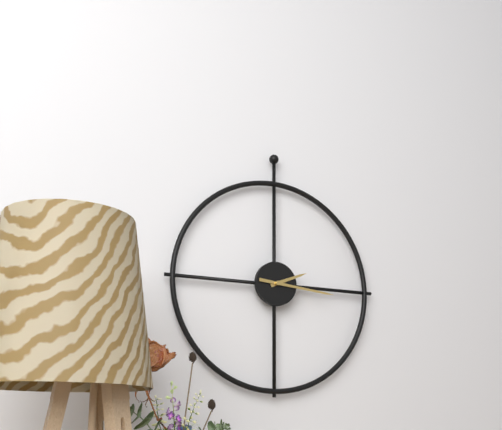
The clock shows 2.16
